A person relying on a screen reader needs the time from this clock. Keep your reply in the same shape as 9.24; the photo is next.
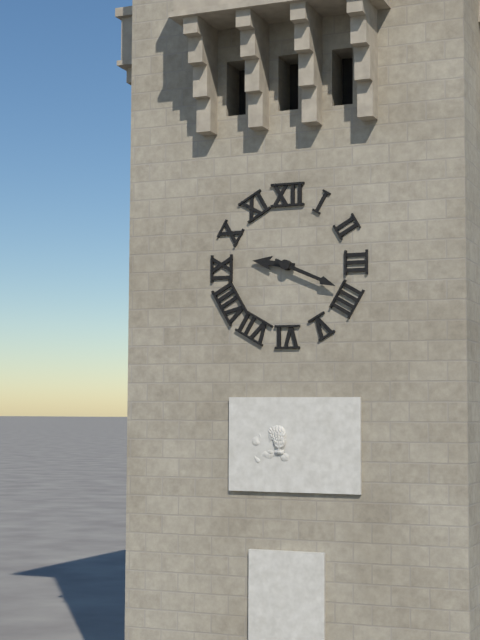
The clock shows 9.19
